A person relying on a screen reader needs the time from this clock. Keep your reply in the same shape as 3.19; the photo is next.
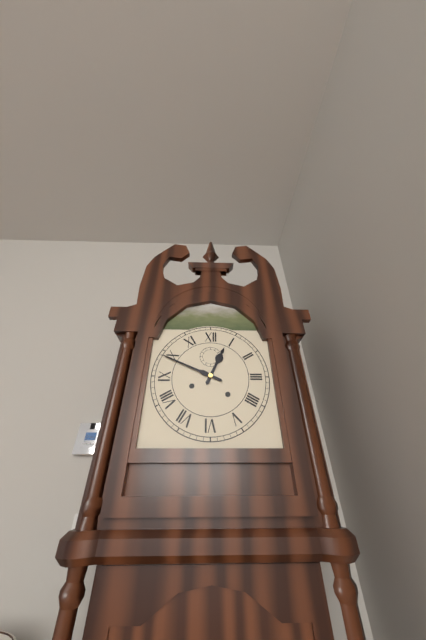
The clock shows 12.49
